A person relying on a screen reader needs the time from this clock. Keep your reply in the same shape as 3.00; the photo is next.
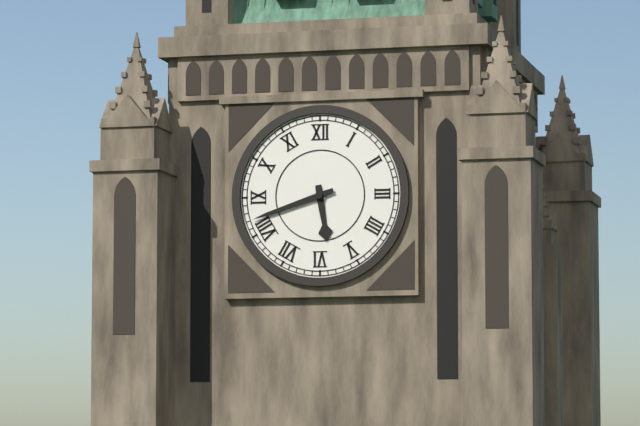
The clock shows 5.42
